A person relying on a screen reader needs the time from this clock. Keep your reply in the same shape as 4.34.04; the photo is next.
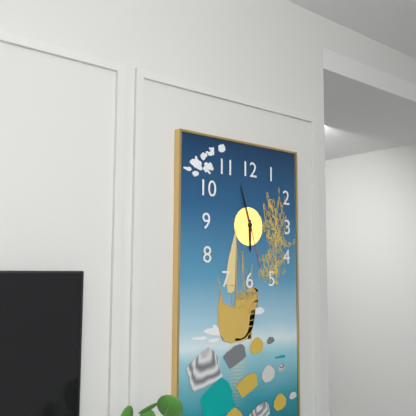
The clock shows 5.57.27
